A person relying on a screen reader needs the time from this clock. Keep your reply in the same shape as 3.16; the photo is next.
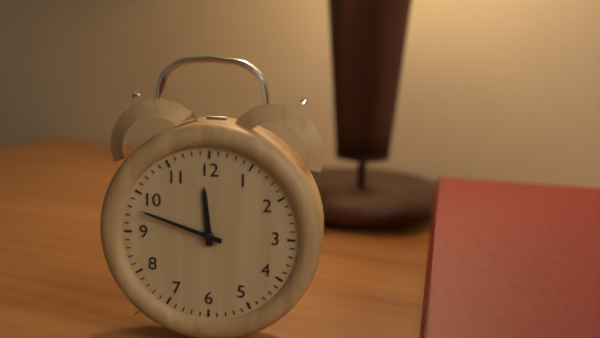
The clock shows 11.48
